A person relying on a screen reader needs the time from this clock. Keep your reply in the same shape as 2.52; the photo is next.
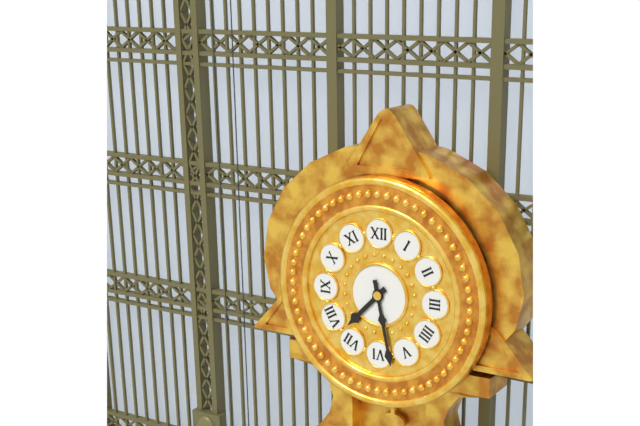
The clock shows 7.28
